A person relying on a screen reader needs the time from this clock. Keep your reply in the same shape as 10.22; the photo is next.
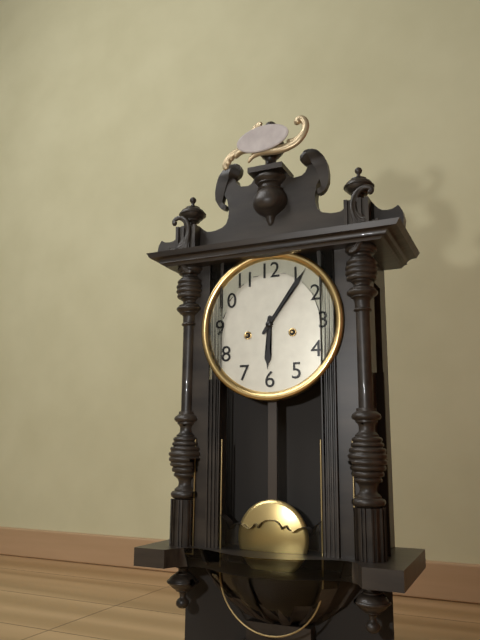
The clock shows 6.06
